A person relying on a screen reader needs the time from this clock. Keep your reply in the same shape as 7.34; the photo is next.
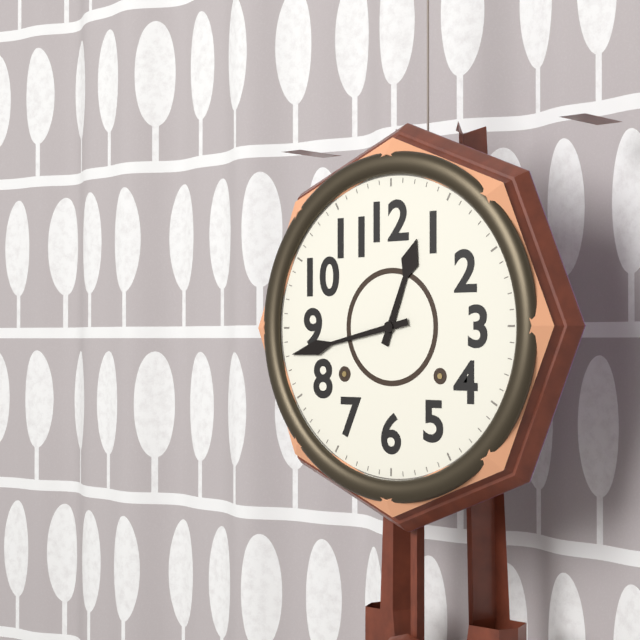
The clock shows 12.43
